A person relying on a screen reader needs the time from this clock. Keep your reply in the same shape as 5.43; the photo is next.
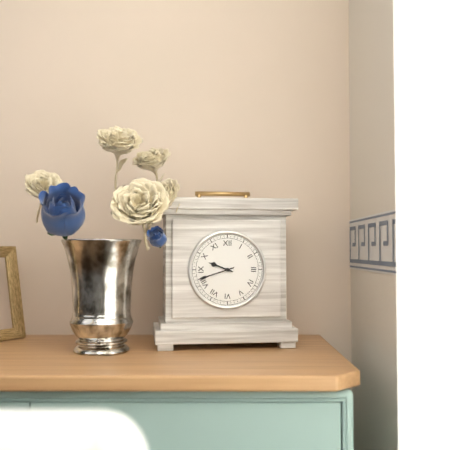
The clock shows 9.42
